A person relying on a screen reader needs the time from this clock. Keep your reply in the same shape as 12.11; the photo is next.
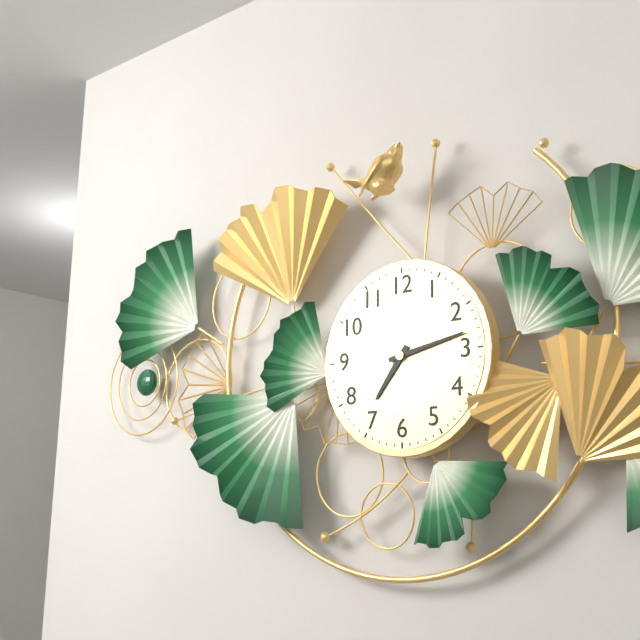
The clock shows 7.13
